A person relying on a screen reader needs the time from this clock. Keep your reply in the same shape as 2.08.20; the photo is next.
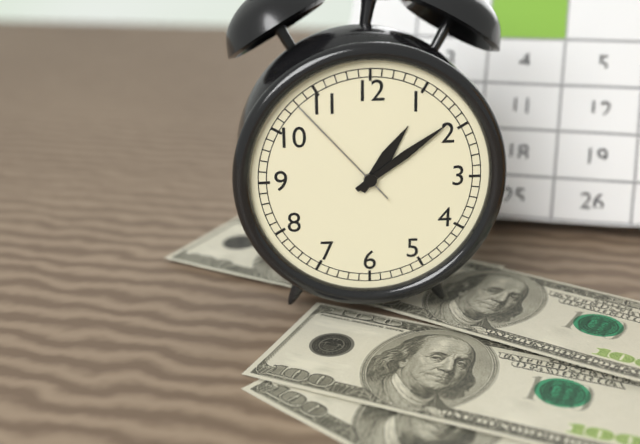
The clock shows 1.09.53
